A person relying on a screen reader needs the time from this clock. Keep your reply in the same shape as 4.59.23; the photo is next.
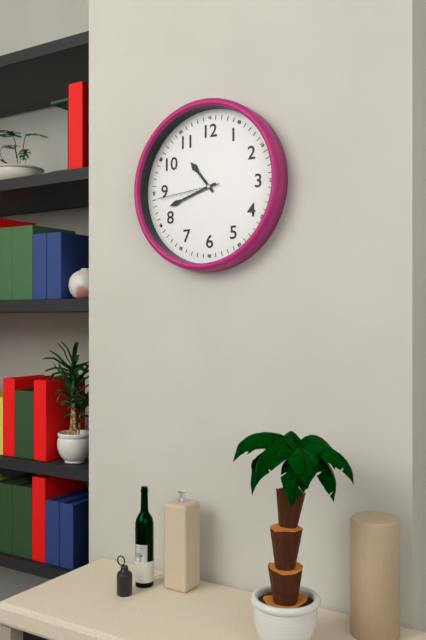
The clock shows 10.42.44
